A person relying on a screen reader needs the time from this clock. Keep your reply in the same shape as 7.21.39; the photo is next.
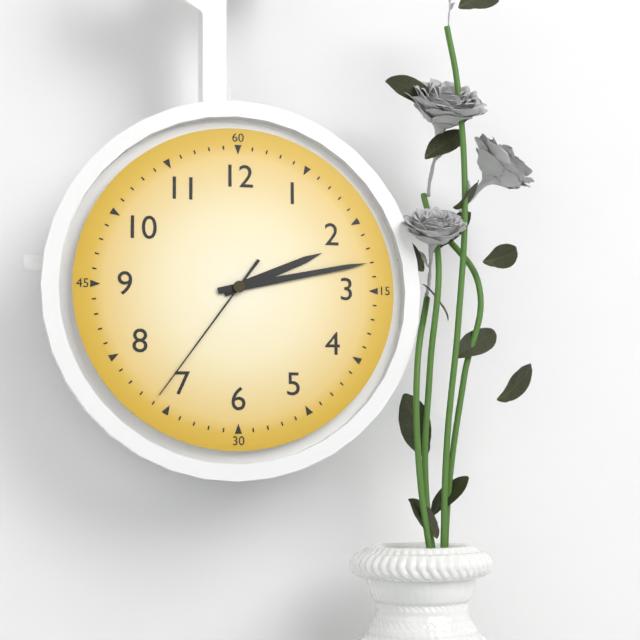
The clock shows 2.13.36
